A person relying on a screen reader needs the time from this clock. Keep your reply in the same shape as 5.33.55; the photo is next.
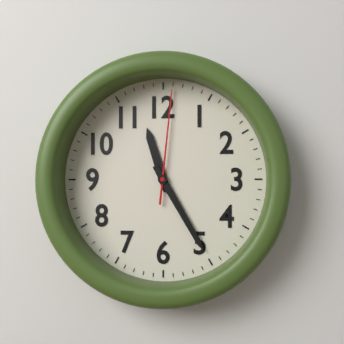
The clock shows 11.25.01
